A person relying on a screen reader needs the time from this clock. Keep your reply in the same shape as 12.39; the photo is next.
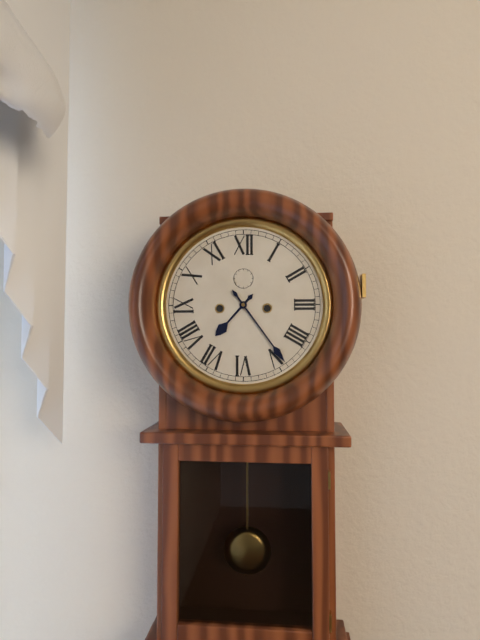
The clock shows 7.24
